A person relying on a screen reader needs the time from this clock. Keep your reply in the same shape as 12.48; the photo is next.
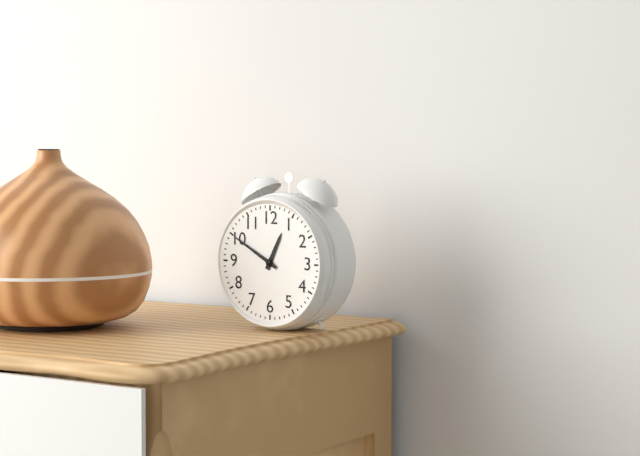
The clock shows 12.50
